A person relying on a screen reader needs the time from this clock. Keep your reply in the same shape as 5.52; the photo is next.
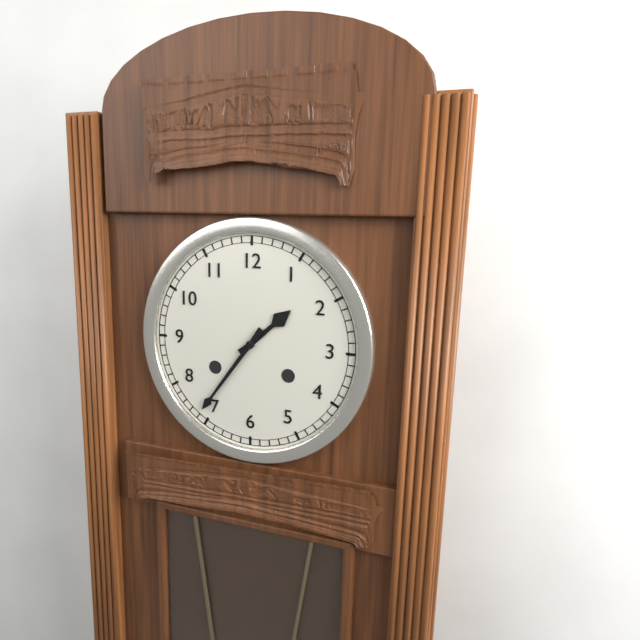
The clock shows 1.36
